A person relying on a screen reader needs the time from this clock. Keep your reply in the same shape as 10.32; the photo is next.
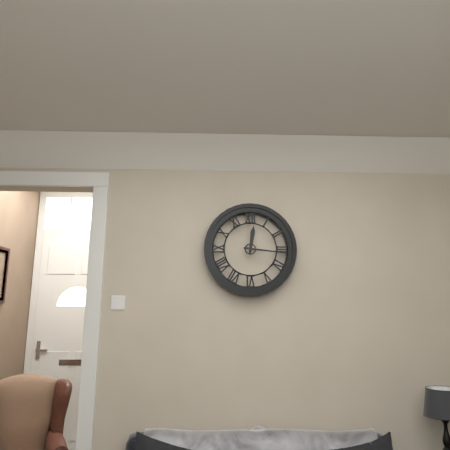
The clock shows 12.16
